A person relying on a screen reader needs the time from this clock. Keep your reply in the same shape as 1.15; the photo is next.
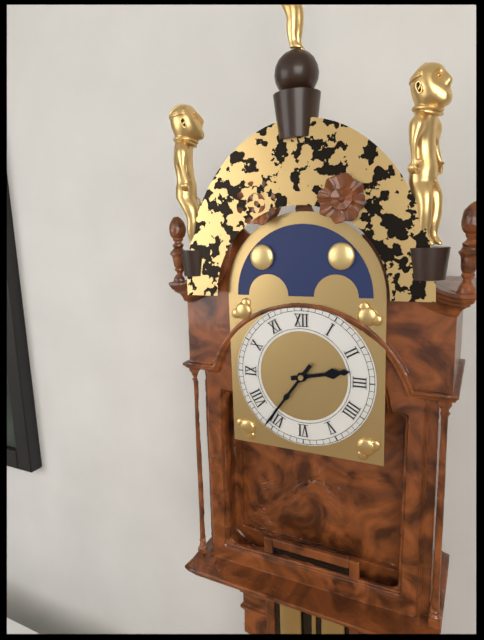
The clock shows 2.36
